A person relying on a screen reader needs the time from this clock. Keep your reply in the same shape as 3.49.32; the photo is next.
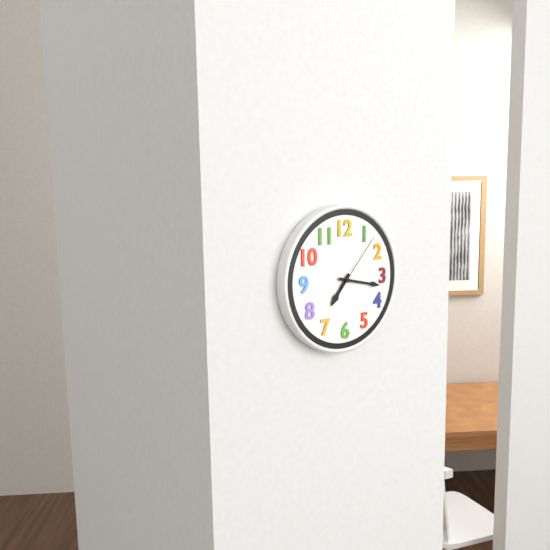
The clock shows 7.17.07
